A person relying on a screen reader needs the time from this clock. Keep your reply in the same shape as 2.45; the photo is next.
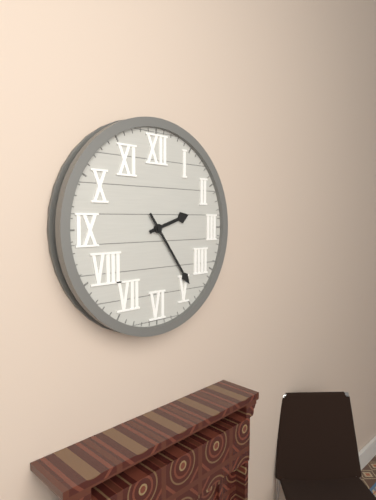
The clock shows 2.24
